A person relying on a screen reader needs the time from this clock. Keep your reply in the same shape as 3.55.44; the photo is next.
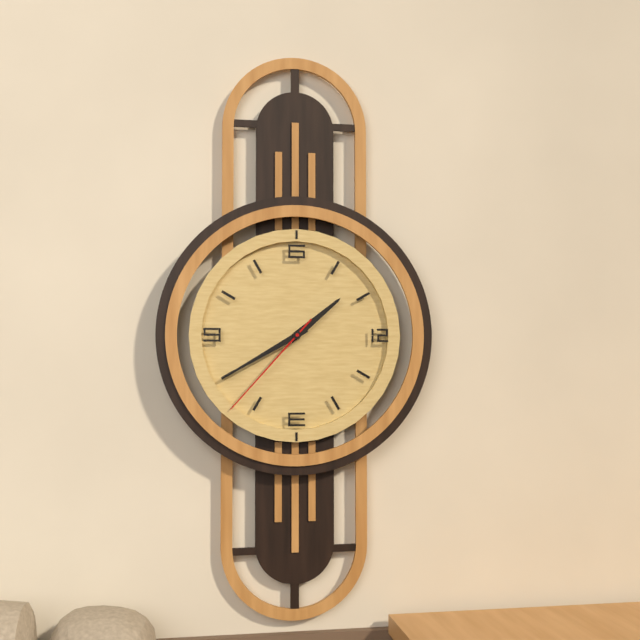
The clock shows 1.40.37
